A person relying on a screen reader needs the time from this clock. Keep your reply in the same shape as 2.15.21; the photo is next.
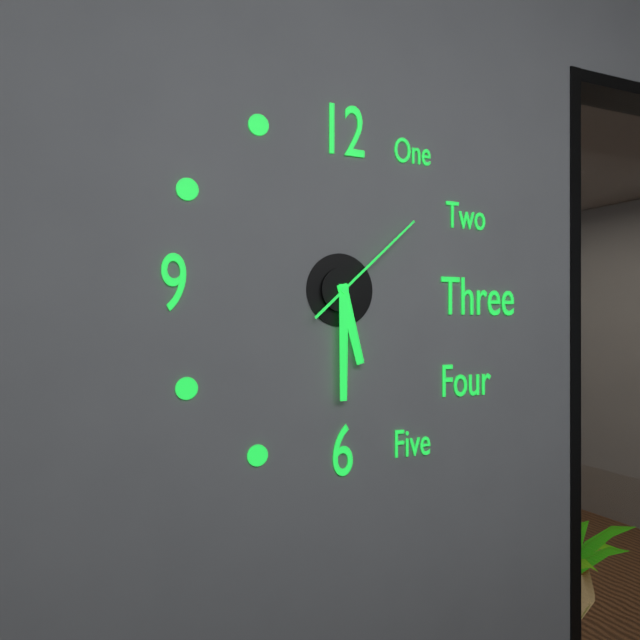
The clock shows 5.30.08
